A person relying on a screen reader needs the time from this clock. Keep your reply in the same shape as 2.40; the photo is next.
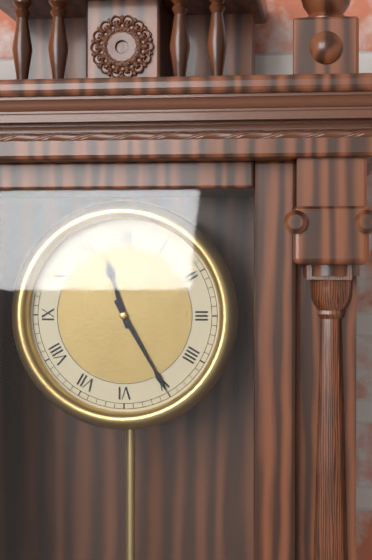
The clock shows 11.25
